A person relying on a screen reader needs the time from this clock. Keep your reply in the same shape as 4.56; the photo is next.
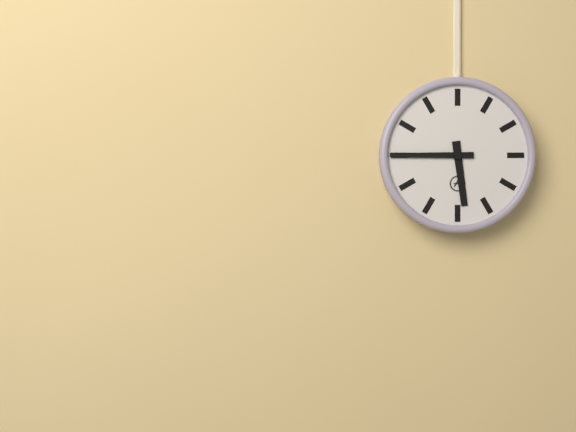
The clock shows 5.45
